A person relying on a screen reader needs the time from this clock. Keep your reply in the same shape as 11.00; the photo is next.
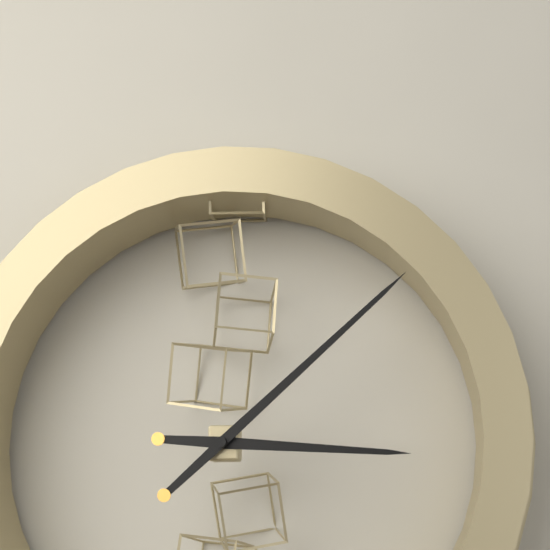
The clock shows 3.08
